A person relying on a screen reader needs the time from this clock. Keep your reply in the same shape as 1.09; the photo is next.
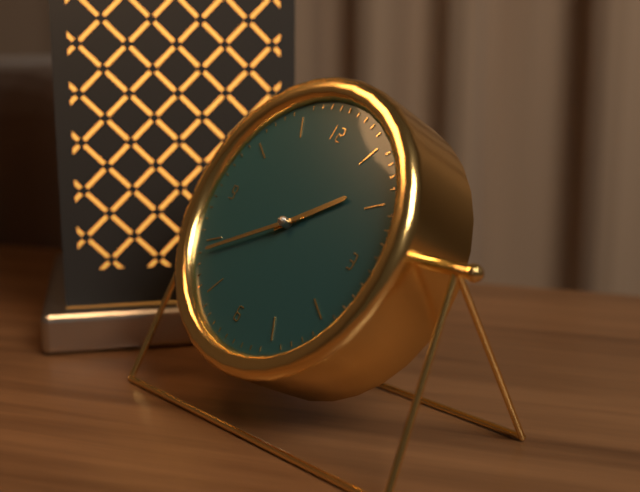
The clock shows 1.39
